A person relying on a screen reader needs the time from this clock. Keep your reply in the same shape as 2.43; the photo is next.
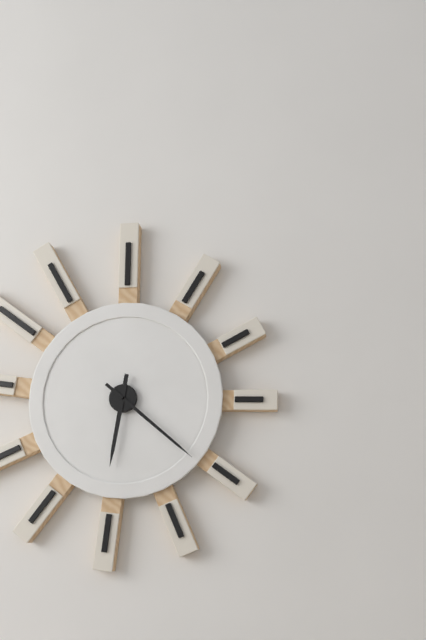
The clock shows 6.22
